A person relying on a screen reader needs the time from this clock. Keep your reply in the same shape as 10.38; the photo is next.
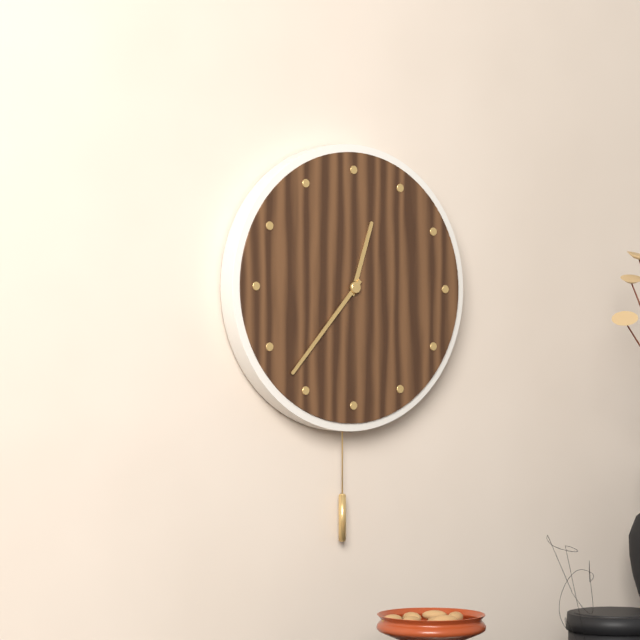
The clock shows 12.37
